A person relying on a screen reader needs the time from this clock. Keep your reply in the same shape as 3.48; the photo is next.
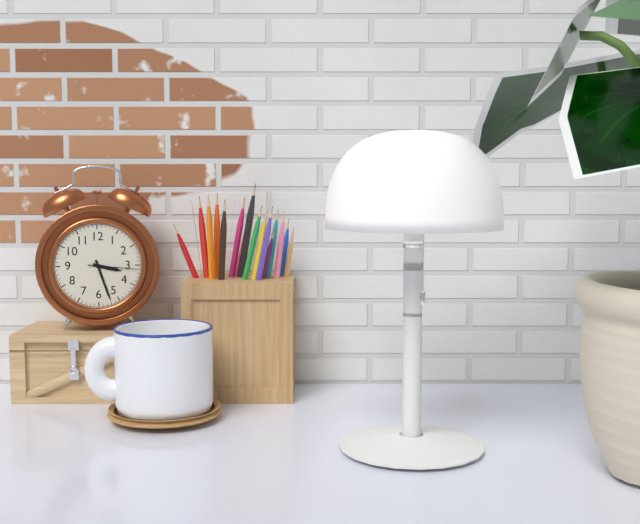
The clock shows 3.27
